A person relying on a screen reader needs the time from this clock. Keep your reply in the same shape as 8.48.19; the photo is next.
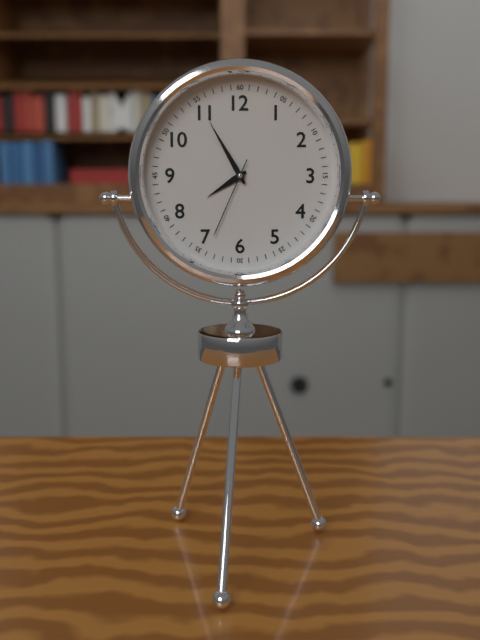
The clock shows 7.55.34
